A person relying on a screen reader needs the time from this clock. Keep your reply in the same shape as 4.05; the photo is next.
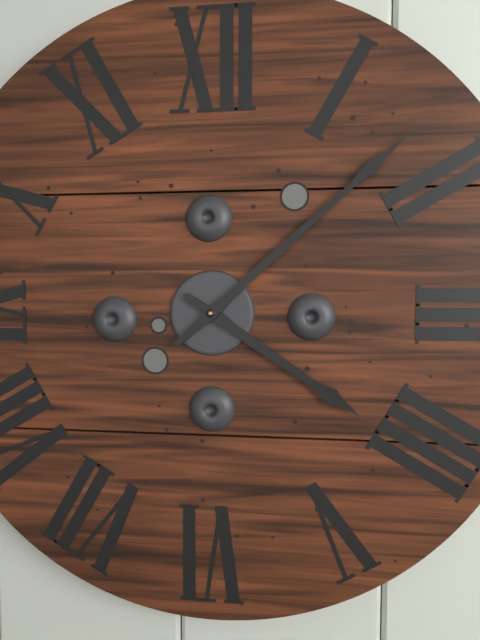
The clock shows 4.08
